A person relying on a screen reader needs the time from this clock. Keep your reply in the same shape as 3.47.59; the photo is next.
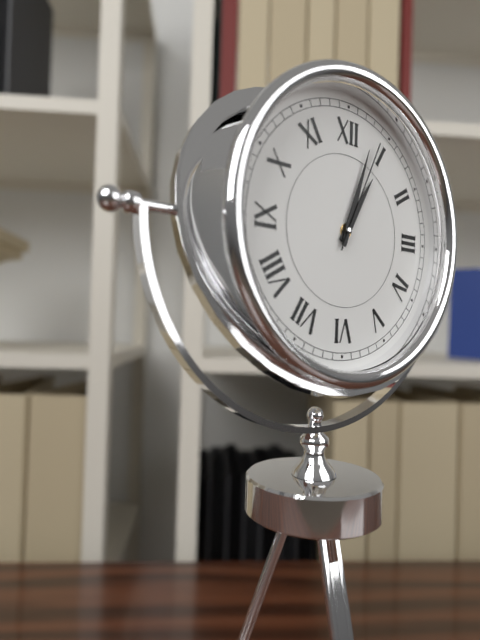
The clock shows 1.03.04
